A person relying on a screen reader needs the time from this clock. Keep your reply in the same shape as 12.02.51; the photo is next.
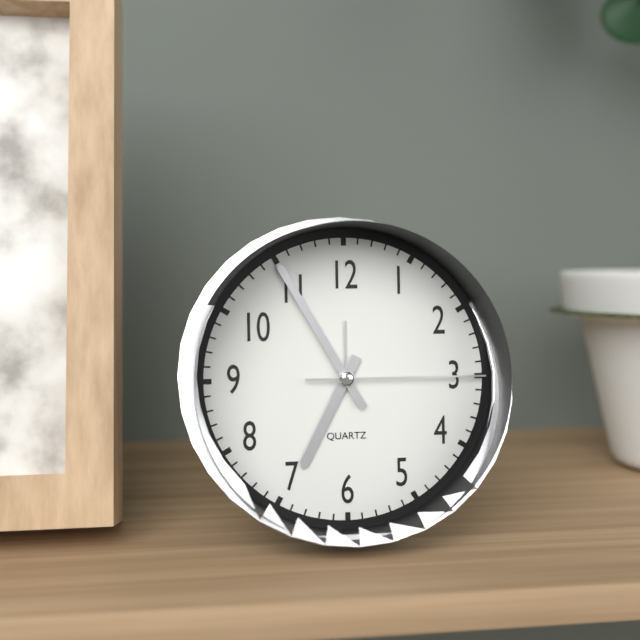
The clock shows 6.55.15
